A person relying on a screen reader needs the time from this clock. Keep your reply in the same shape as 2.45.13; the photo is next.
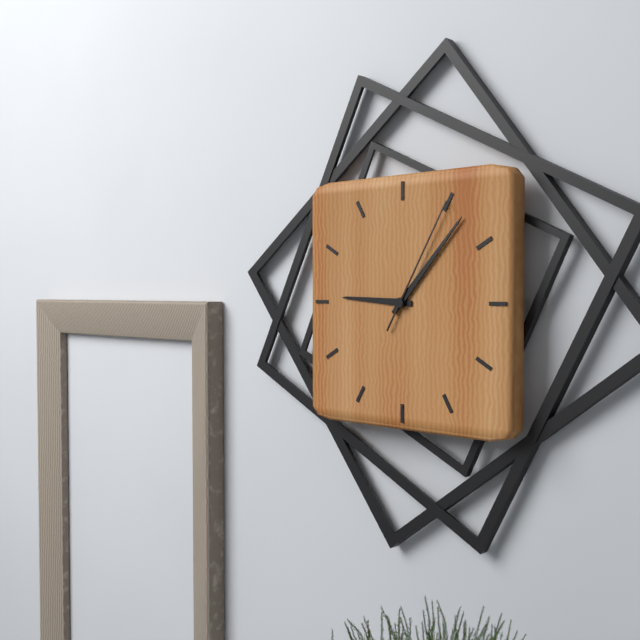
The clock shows 9.07.05
